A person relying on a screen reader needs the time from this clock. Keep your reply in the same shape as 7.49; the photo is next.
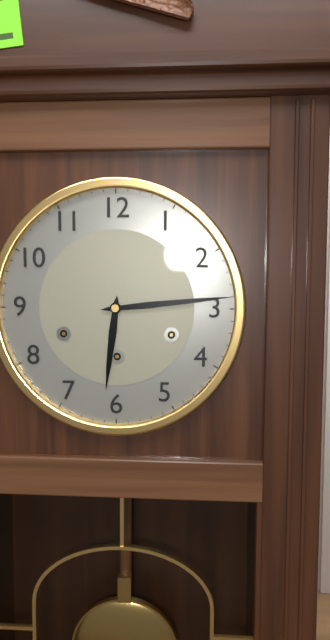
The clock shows 6.14
